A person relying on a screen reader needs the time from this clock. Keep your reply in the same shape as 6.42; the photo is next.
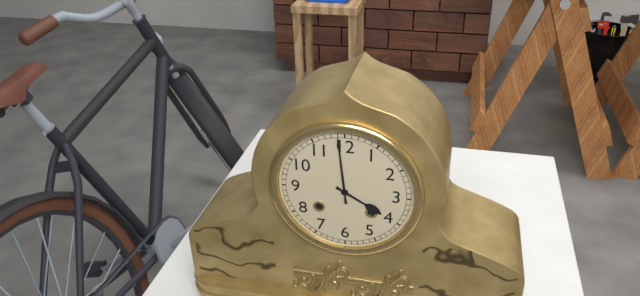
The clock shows 3.59
